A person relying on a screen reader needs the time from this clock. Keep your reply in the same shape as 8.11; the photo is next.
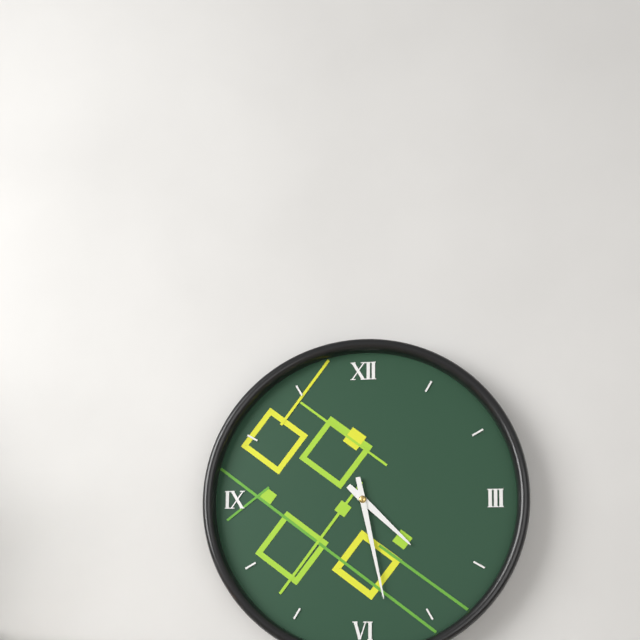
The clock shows 4.28
